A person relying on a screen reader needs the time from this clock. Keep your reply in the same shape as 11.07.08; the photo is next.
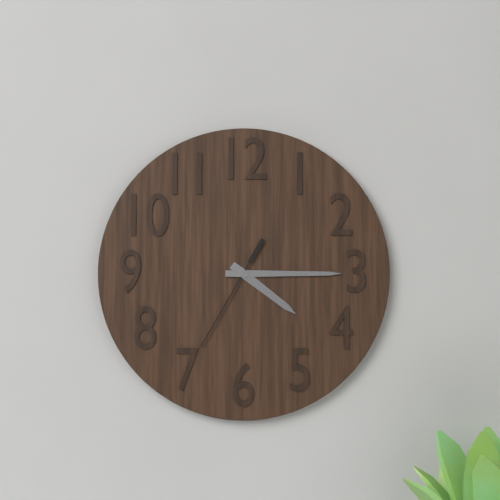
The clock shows 4.15.35
